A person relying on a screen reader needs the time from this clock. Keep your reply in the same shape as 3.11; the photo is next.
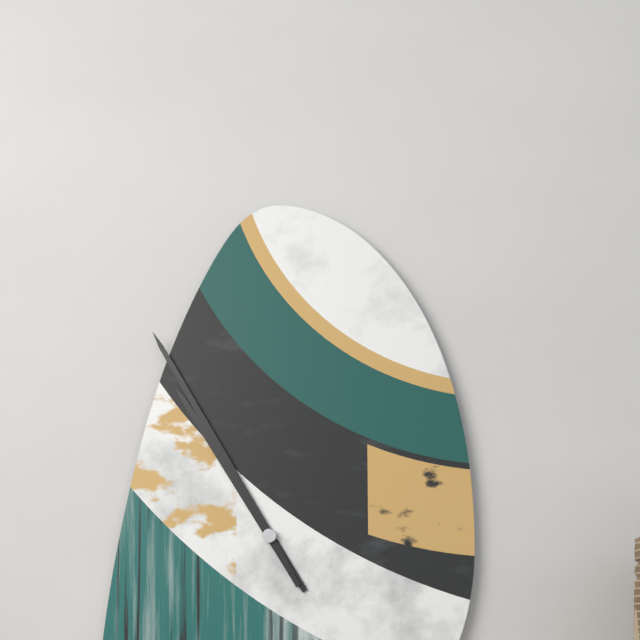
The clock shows 10.55
